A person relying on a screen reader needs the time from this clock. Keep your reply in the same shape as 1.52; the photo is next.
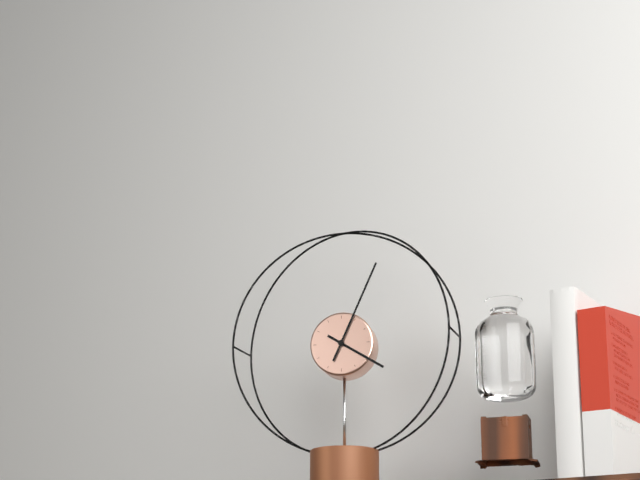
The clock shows 4.04
